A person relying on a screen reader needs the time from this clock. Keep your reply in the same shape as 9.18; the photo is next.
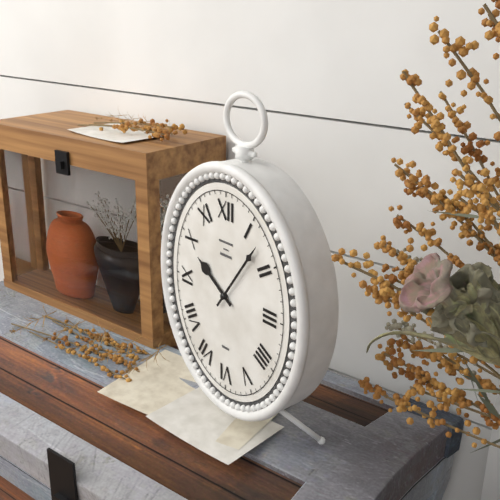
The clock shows 10.06
